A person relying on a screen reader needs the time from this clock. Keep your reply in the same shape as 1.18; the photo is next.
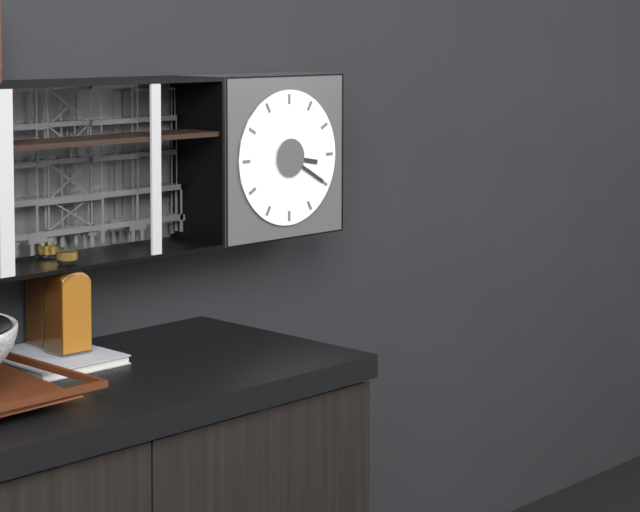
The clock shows 3.20
